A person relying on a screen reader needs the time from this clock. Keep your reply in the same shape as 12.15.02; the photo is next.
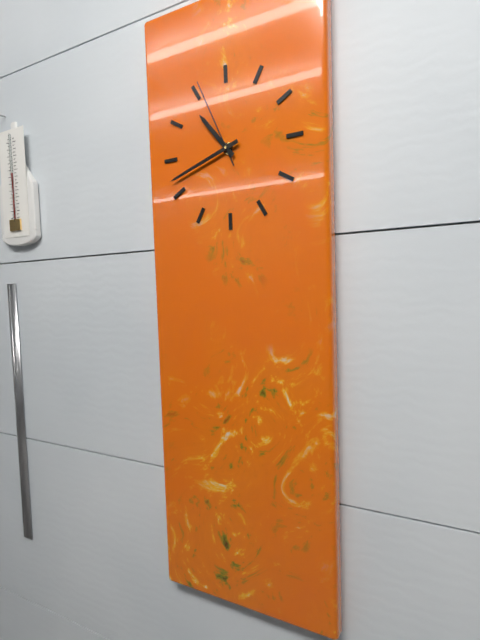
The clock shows 10.42.56
